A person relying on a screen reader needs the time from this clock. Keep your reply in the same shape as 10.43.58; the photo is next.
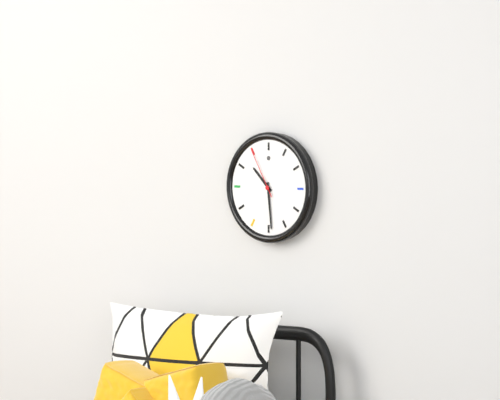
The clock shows 10.29.55
